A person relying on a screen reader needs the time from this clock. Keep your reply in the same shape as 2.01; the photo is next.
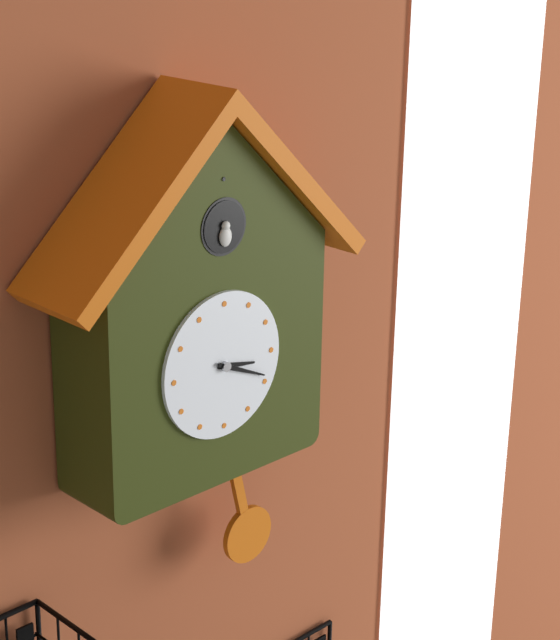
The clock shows 3.19
